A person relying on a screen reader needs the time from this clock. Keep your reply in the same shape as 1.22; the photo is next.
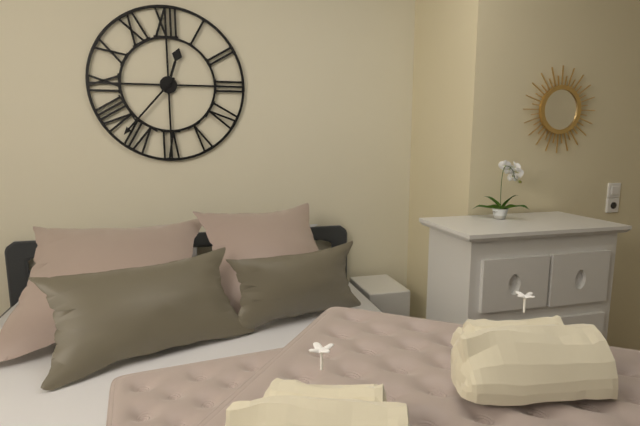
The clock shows 12.37
